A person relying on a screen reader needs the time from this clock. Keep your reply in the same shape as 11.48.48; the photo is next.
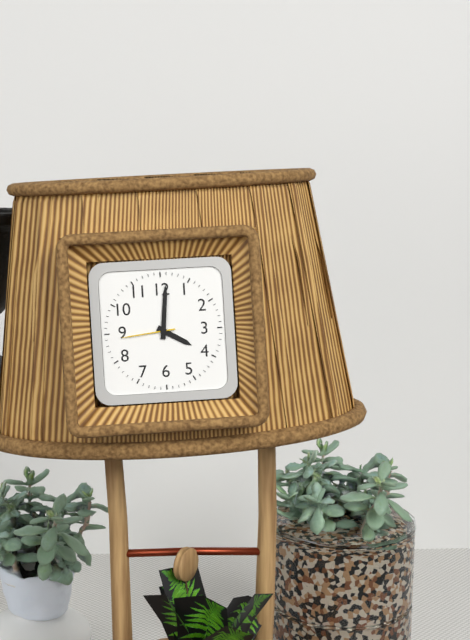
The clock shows 4.01.44
